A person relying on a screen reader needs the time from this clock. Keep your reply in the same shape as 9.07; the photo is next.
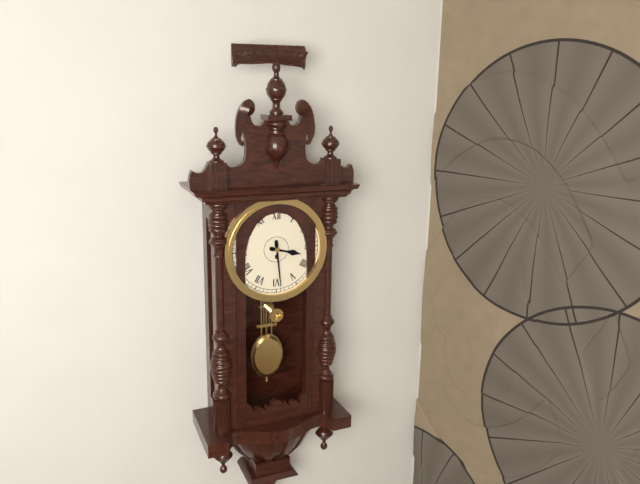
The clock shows 3.29
